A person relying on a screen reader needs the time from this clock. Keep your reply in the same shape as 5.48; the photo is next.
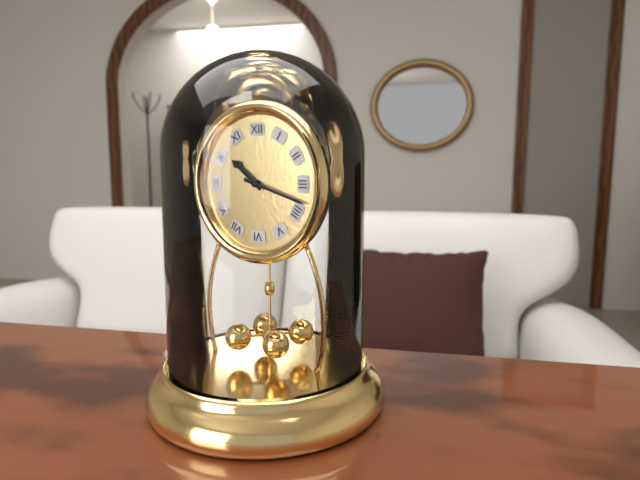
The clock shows 10.18
